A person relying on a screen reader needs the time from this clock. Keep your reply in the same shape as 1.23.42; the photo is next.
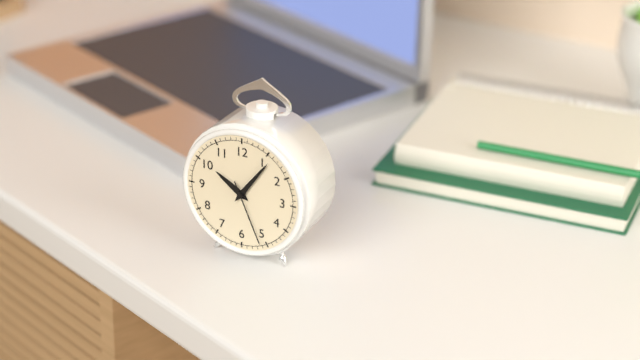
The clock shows 10.06.26
